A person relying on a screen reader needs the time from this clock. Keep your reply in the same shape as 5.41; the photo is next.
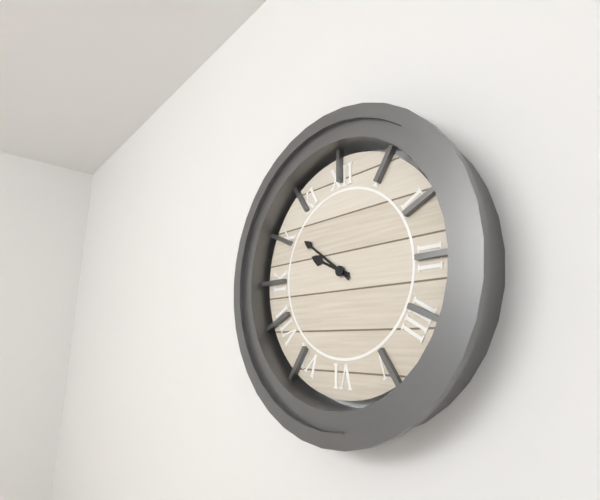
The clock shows 9.51
